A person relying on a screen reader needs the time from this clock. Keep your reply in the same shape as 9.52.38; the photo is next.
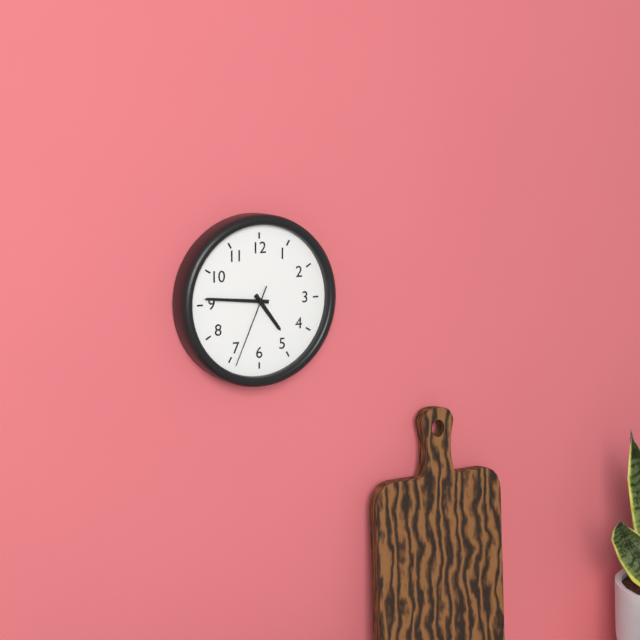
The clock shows 4.46.34
